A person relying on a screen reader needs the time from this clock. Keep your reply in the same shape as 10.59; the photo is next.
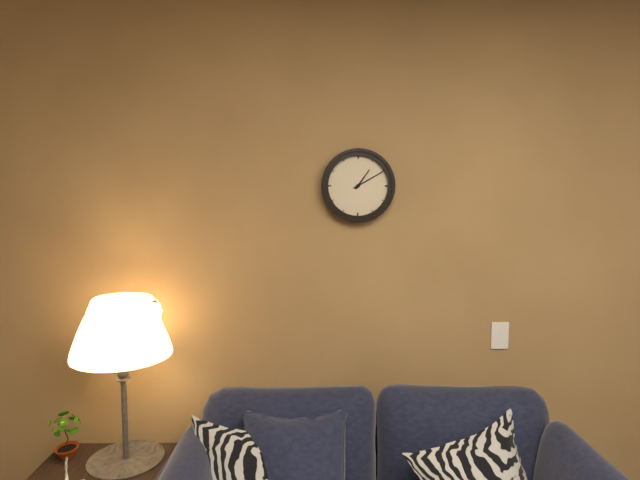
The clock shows 1.10
